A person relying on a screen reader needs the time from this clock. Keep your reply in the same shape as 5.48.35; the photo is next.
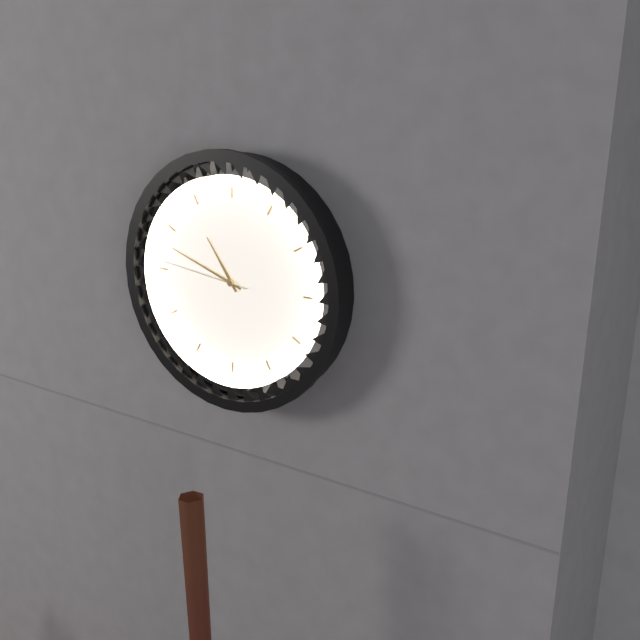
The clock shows 10.48.46
